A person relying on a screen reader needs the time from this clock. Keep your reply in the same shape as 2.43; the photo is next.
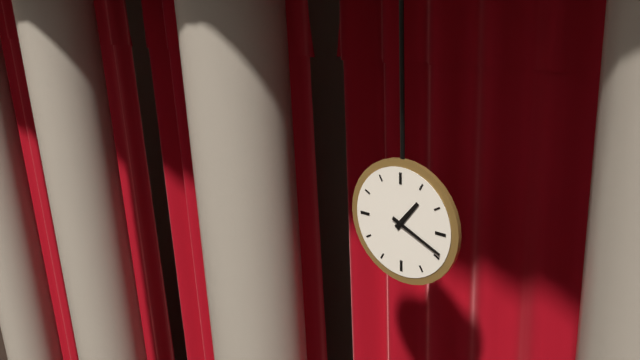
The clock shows 1.19
